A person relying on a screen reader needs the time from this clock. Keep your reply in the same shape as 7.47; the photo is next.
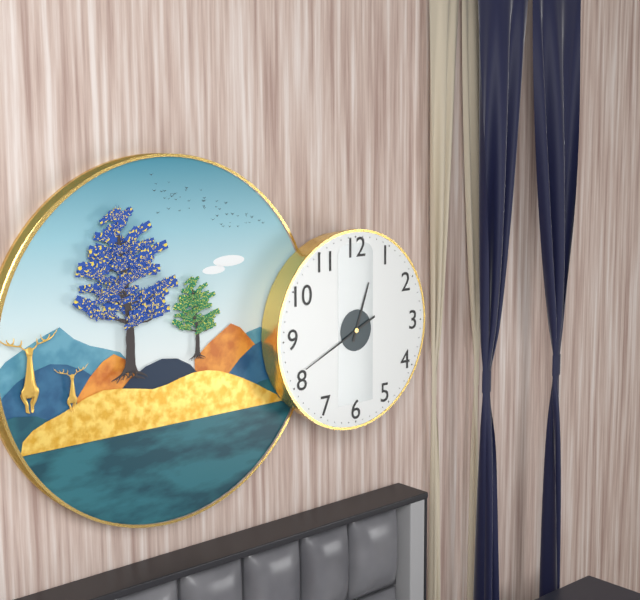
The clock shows 12.41
